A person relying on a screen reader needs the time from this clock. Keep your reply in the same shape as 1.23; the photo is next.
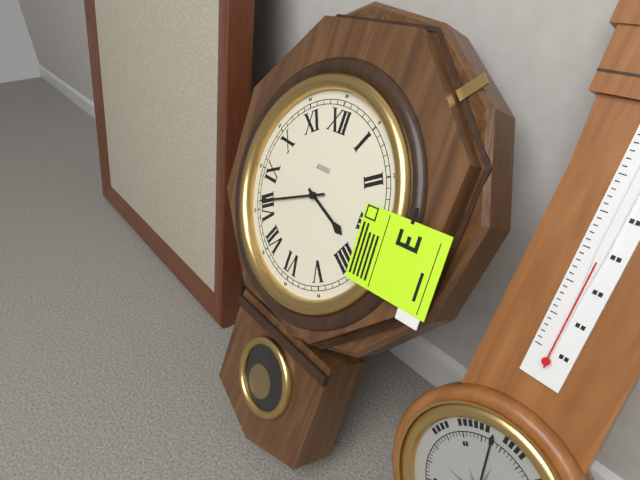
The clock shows 3.41
